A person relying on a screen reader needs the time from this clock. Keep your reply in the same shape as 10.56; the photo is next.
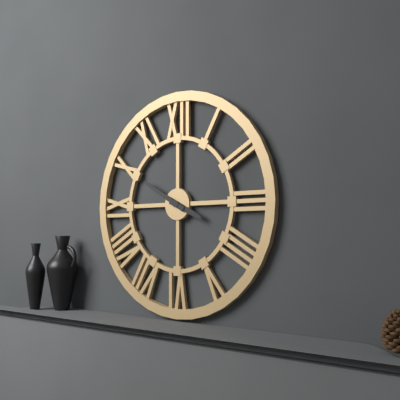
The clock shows 3.50
